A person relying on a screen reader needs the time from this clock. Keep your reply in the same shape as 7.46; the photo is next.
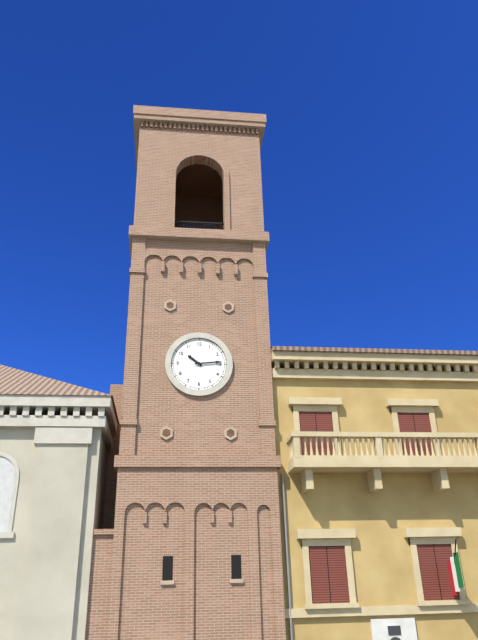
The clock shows 10.14
